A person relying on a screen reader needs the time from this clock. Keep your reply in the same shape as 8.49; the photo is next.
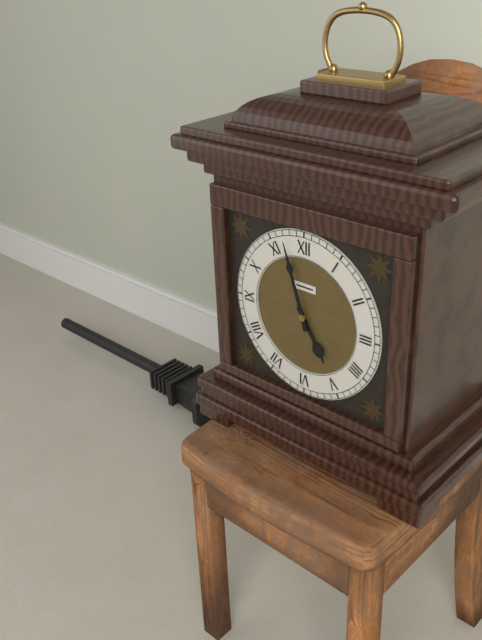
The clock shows 4.57
